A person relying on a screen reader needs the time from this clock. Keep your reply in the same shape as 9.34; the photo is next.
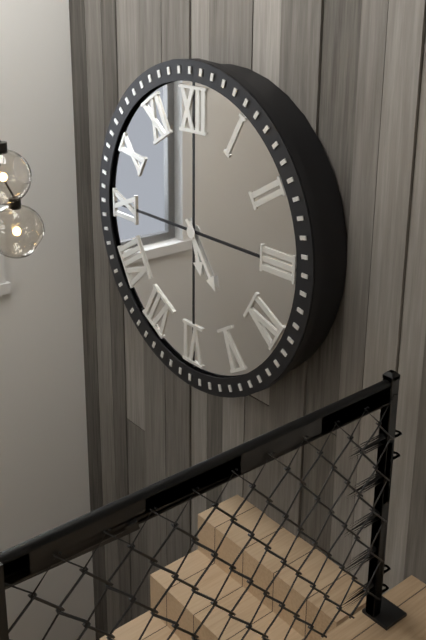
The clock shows 5.24
